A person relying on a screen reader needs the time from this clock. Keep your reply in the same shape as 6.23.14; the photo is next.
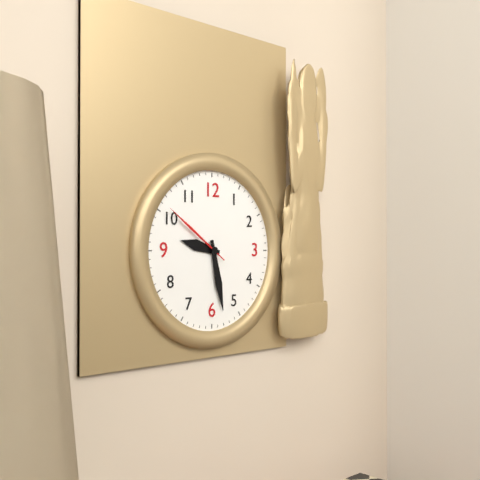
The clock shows 9.28.51
